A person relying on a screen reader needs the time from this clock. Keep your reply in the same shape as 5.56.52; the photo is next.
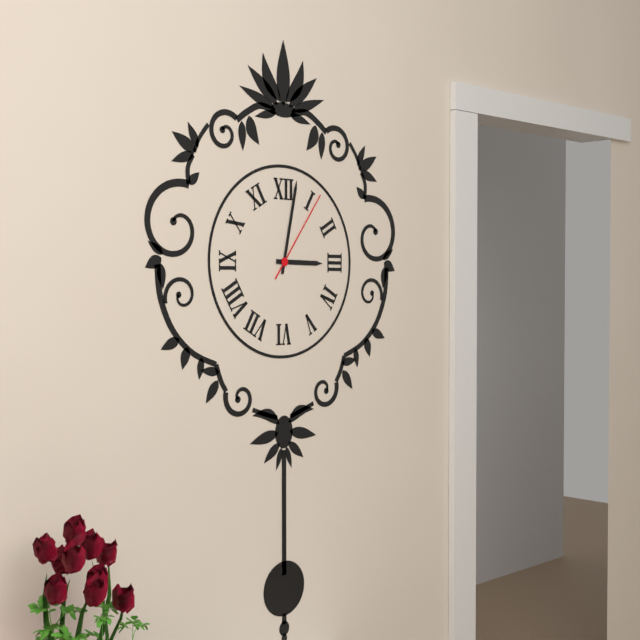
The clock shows 3.02.06
